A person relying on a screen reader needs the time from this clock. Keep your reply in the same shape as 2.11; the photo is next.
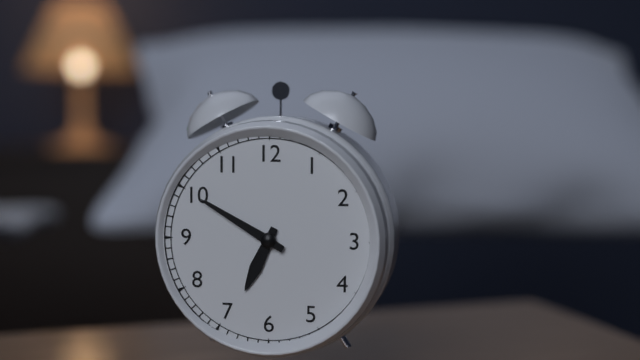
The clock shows 6.50
